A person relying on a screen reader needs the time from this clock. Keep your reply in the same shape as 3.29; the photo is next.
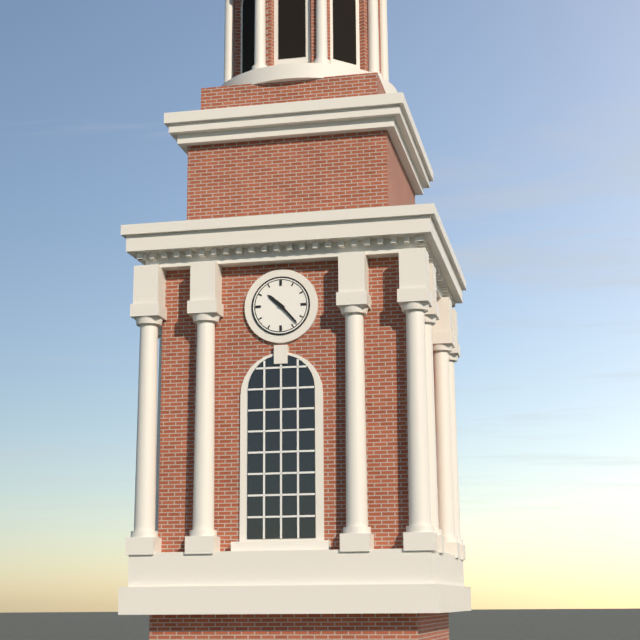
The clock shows 10.23
